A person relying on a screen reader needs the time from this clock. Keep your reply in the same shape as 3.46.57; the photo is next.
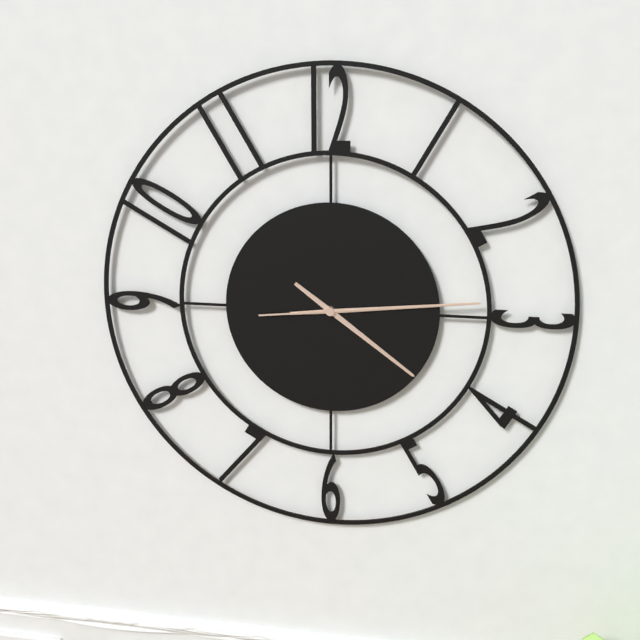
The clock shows 4.14.14
